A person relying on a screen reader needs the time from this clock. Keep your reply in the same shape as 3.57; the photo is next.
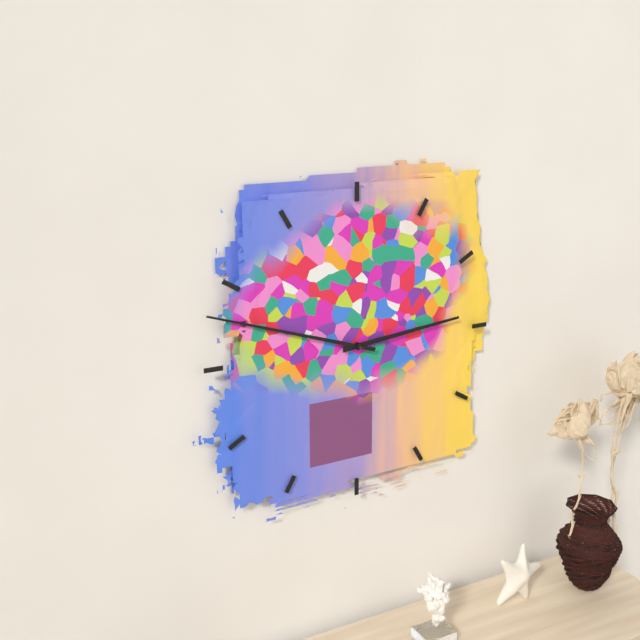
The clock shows 2.48
